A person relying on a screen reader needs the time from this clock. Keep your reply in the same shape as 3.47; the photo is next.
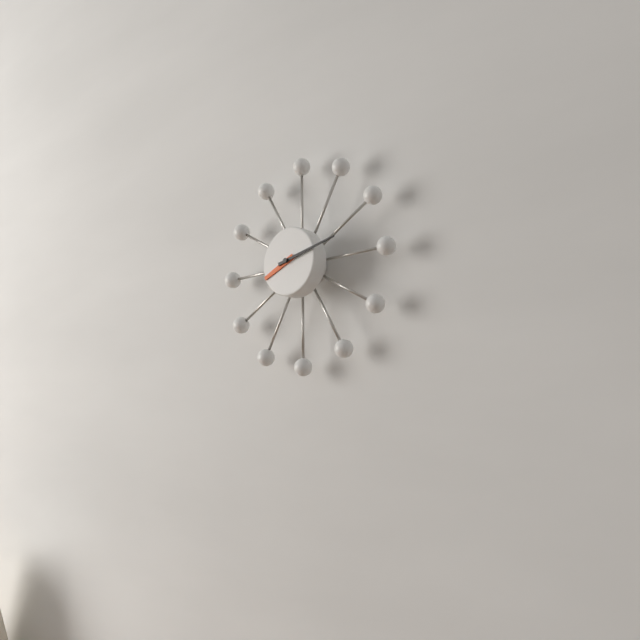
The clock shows 8.13
